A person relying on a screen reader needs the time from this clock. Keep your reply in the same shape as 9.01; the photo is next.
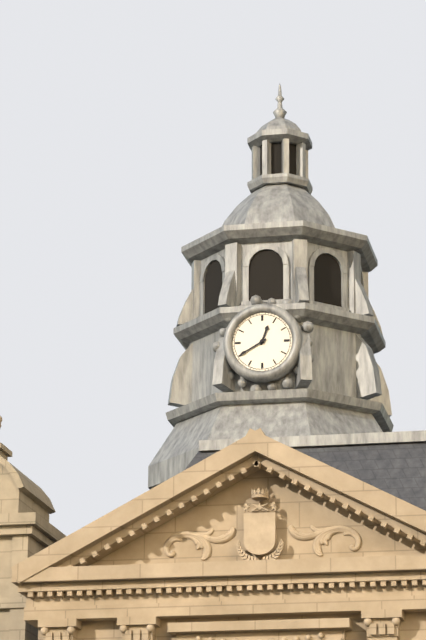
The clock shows 12.40
